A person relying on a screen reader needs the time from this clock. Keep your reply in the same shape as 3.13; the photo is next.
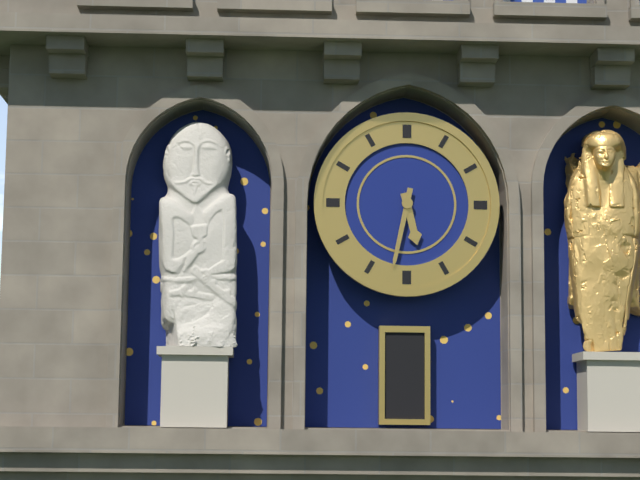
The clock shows 5.32
